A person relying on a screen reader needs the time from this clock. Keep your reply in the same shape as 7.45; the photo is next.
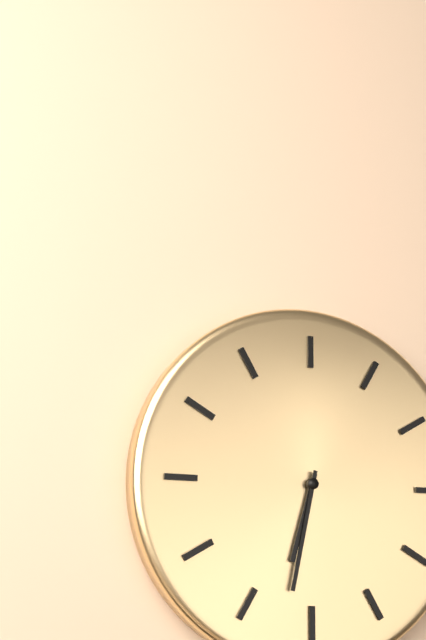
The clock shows 6.32
